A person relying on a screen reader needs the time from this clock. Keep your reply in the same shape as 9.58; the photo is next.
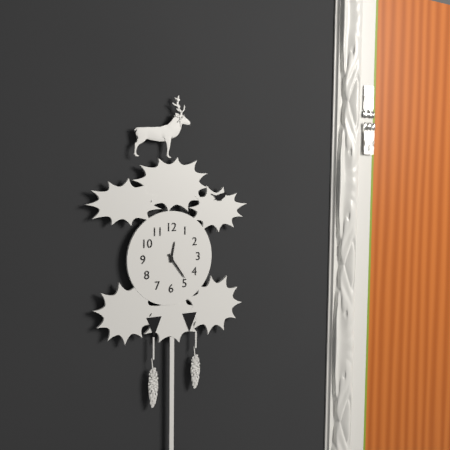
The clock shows 12.24
